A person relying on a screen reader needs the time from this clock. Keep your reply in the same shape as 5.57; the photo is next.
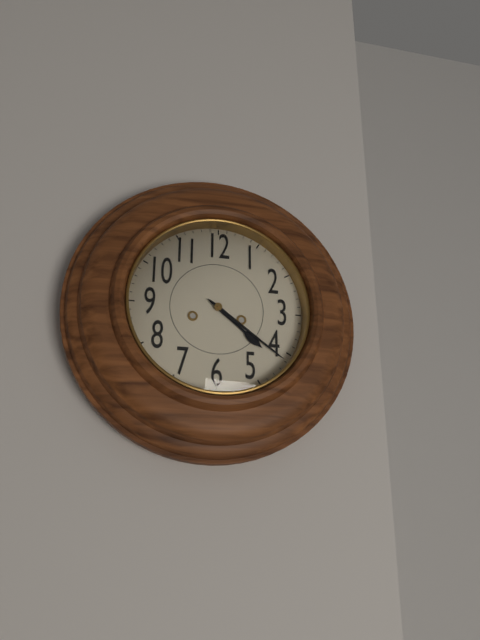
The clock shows 4.21
